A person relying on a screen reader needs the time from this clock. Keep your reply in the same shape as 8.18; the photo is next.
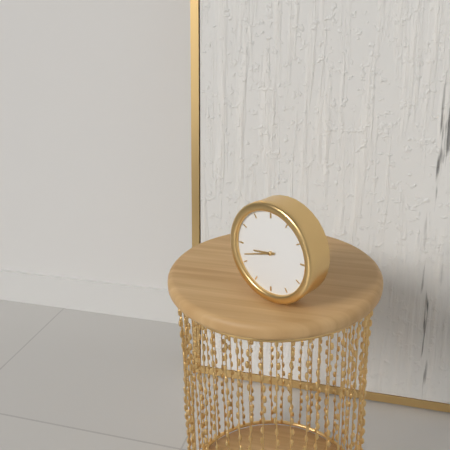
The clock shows 8.42
